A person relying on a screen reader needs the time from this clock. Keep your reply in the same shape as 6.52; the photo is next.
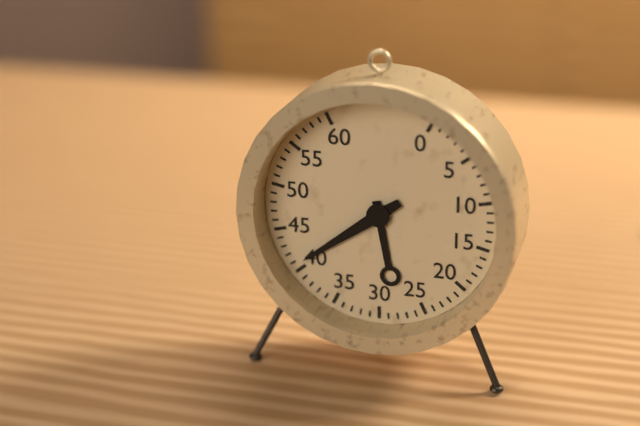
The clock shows 5.39
